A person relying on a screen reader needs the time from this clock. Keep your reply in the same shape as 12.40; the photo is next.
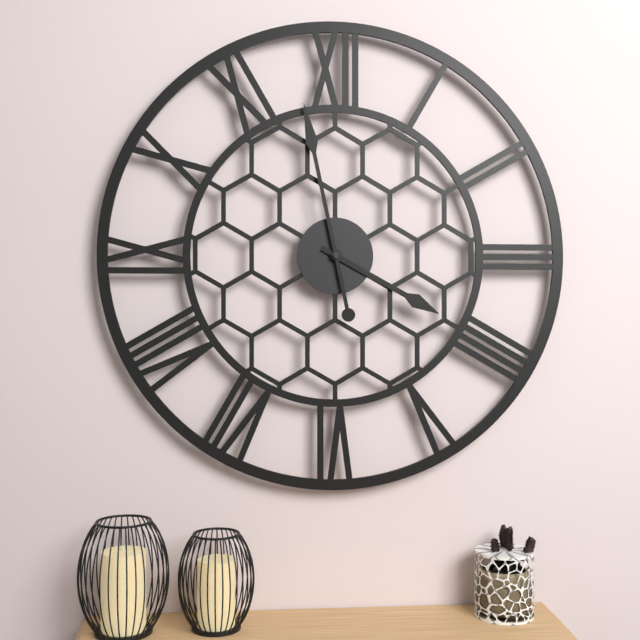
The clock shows 3.58
